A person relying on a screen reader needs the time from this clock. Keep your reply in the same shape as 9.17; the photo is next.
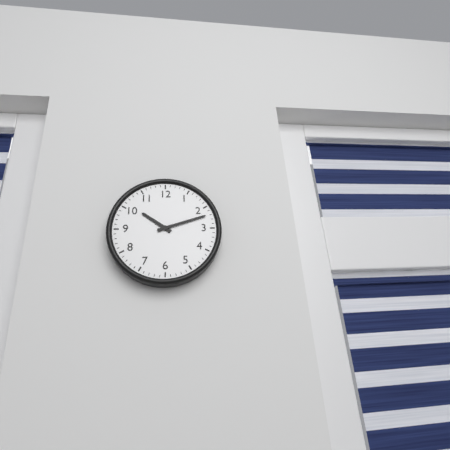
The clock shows 10.12
